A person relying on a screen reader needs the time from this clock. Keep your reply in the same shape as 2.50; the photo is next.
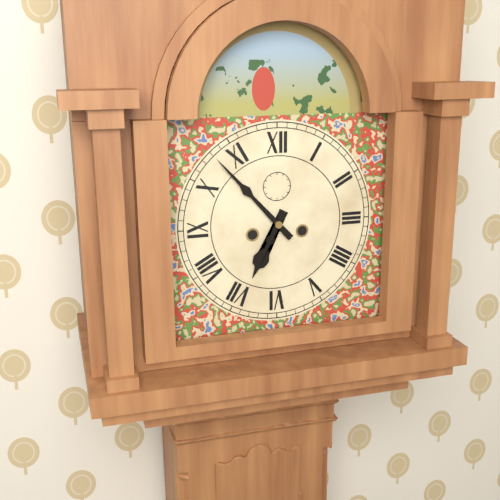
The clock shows 6.53
